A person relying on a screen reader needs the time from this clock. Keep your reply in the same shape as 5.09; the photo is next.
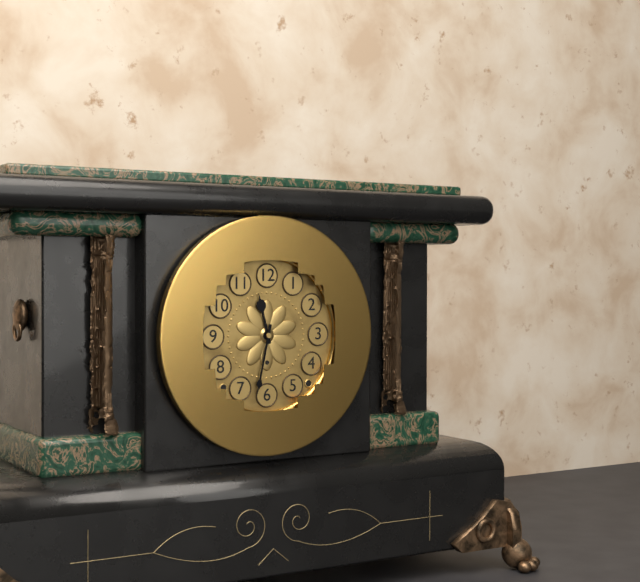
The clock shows 11.32
